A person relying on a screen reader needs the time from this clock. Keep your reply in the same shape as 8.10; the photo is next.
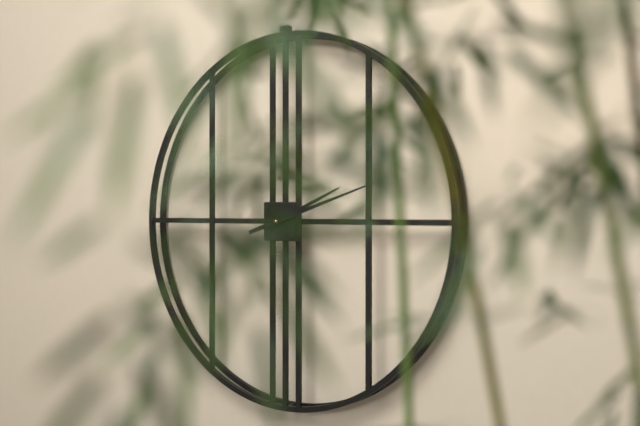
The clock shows 2.12
